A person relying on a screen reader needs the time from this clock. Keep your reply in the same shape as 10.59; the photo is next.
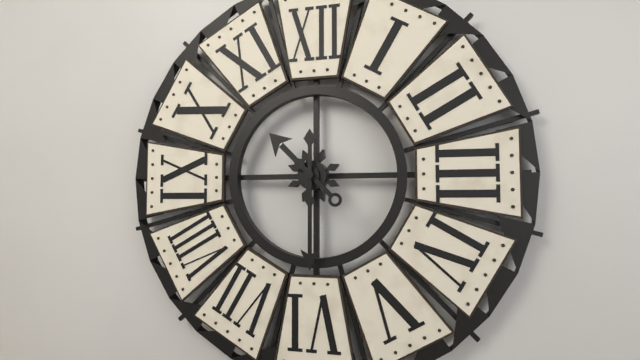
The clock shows 10.30
